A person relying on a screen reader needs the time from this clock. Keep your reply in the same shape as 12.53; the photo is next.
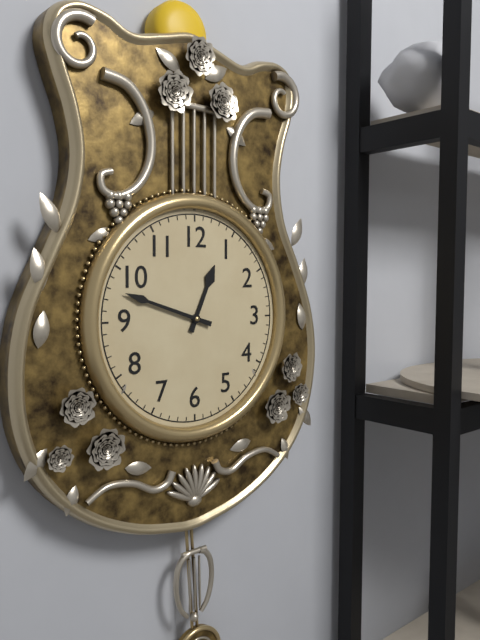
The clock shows 12.48
